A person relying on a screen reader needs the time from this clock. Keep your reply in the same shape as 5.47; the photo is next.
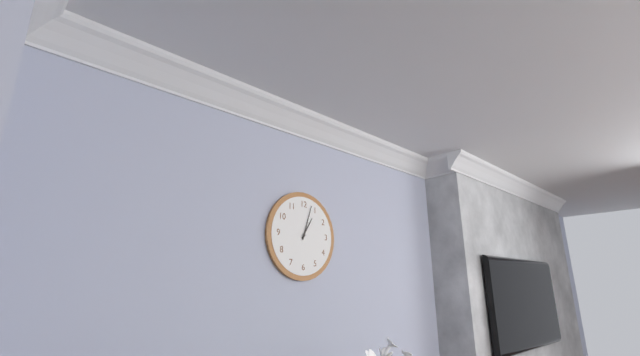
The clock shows 1.03
